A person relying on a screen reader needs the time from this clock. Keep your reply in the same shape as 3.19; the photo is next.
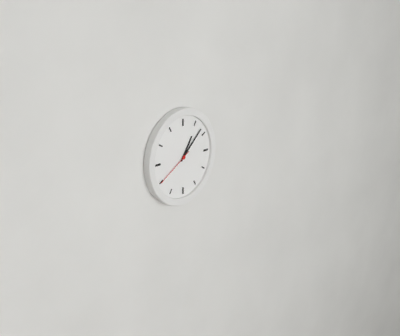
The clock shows 1.08
